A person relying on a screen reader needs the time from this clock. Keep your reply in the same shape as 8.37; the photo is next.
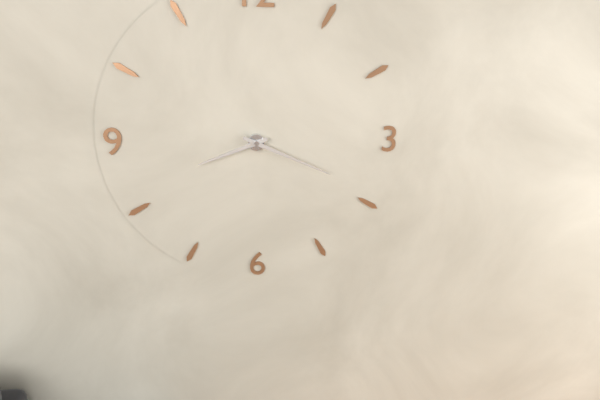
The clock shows 8.19
